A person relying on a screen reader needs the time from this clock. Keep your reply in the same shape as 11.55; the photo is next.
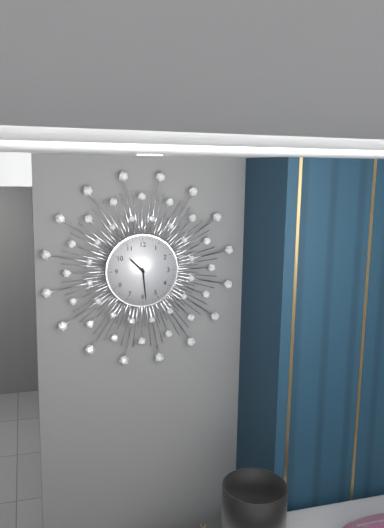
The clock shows 10.29
